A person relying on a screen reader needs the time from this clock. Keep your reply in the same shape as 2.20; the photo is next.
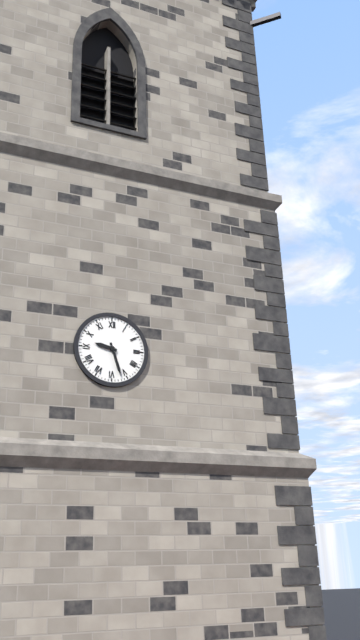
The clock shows 9.27
